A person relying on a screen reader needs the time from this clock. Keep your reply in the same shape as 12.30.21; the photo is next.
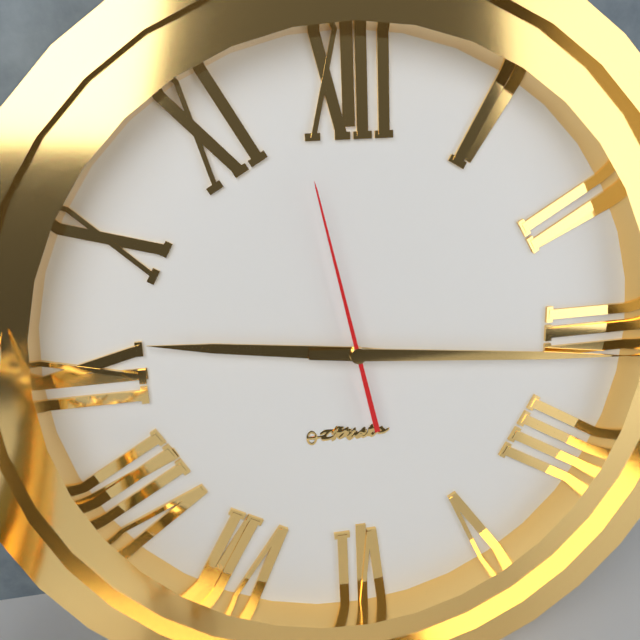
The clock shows 9.16.58
